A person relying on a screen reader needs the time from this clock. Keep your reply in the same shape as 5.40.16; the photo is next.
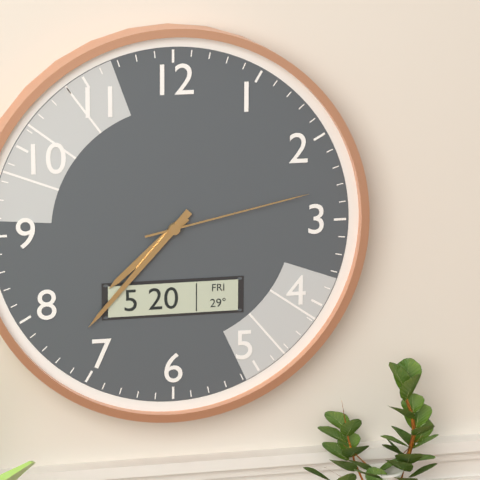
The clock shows 7.37.13
